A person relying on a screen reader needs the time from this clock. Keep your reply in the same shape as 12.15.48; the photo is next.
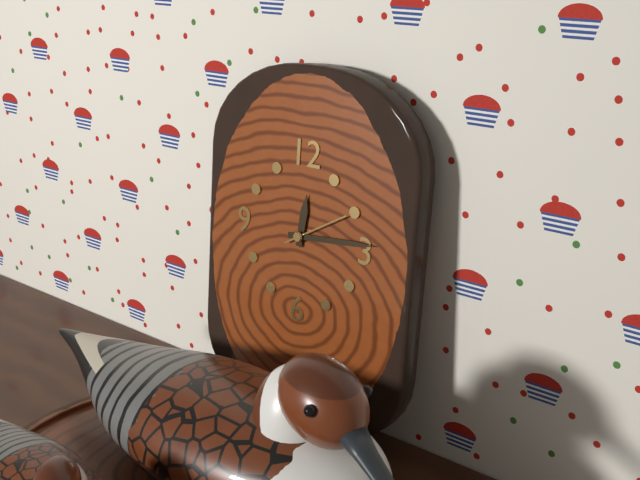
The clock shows 12.14.10
